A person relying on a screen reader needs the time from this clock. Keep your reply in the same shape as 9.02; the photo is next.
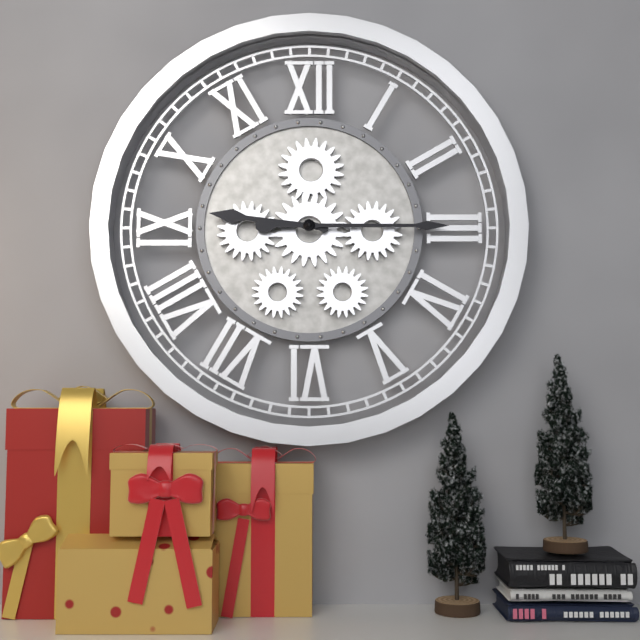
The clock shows 9.15
